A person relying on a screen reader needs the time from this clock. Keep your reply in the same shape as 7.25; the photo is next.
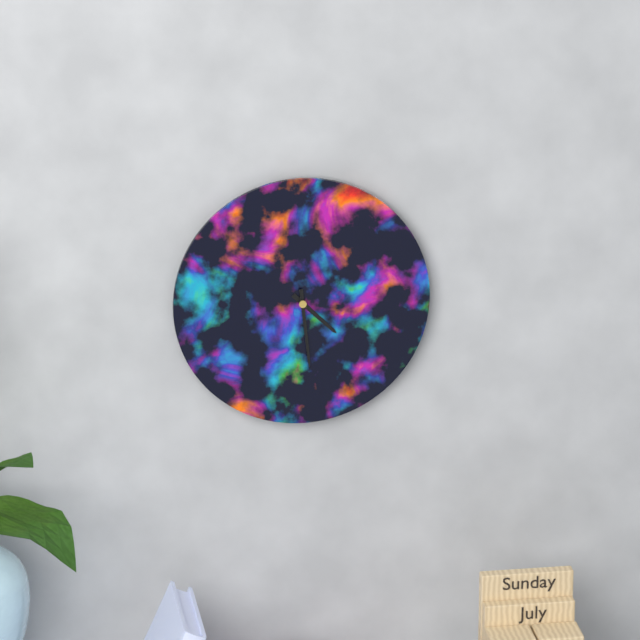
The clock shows 4.29
